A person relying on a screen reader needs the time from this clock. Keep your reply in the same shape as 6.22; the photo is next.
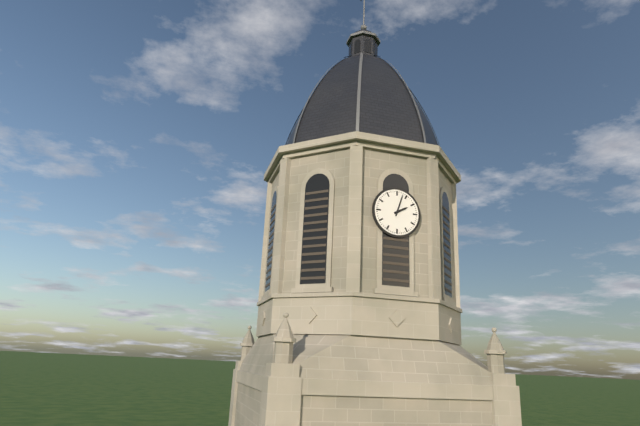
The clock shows 2.03
